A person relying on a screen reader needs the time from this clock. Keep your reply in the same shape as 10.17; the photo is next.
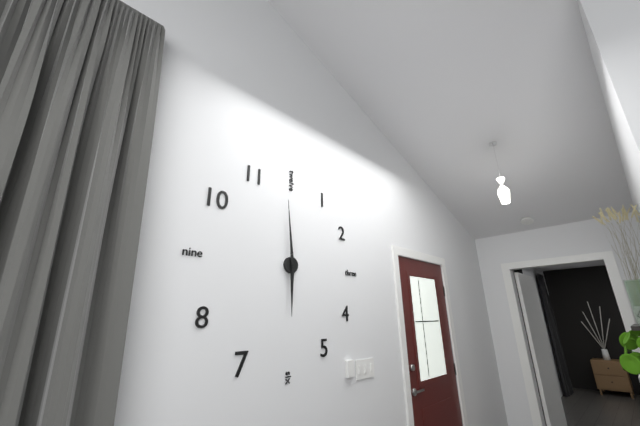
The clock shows 5.59
